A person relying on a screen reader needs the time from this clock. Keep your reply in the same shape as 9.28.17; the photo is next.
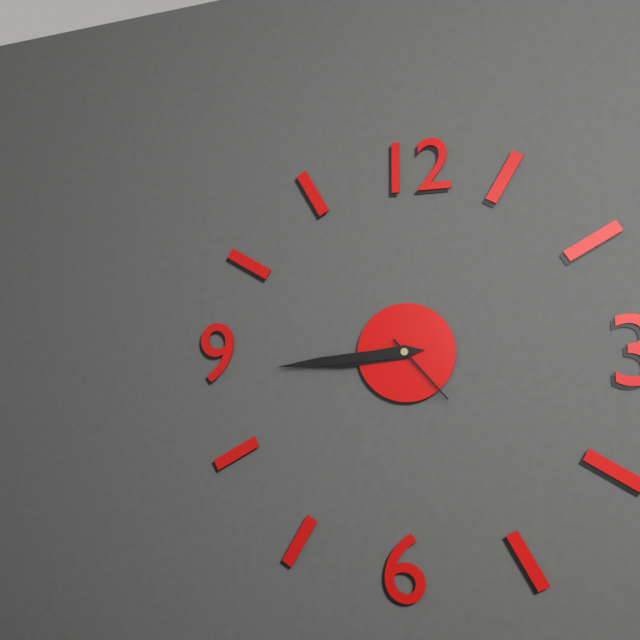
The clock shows 8.44.23
